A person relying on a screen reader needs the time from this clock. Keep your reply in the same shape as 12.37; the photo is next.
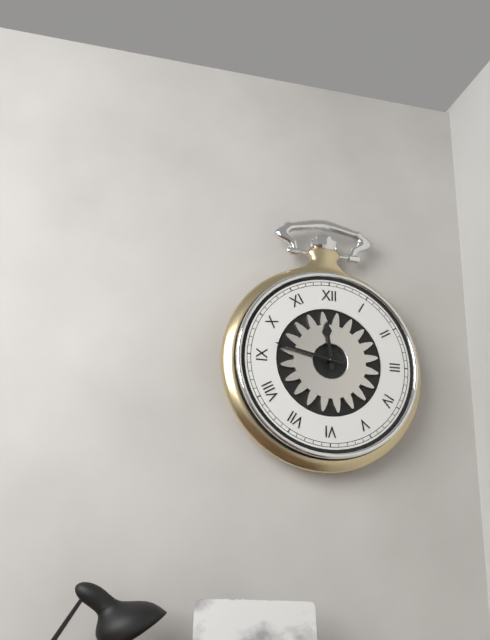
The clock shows 11.47
